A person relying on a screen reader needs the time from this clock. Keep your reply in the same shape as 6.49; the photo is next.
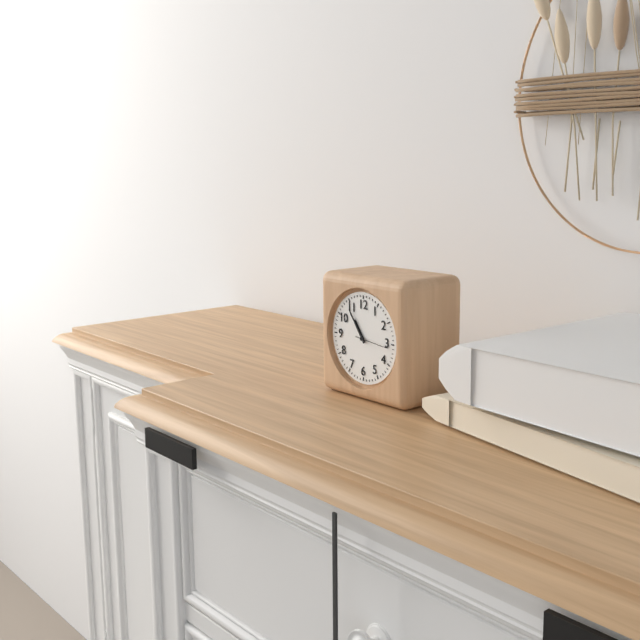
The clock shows 10.54
